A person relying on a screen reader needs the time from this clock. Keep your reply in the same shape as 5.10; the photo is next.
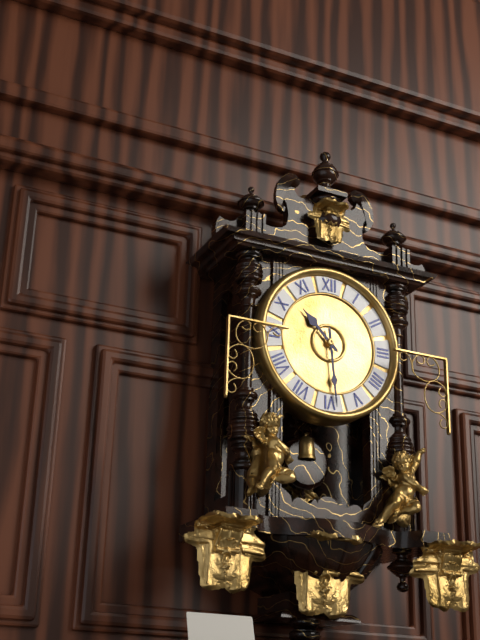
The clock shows 10.29
